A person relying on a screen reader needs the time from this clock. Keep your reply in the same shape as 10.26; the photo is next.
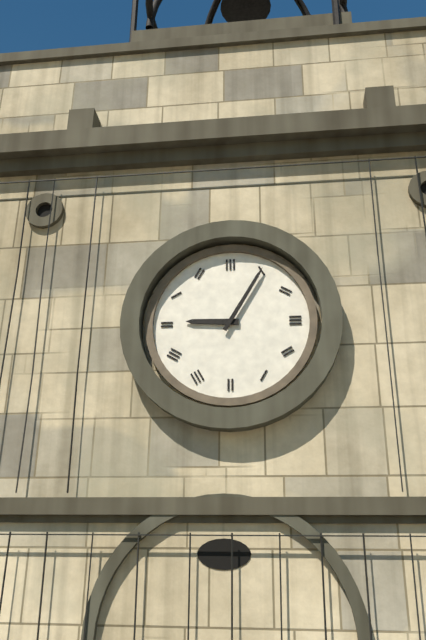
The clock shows 9.05
